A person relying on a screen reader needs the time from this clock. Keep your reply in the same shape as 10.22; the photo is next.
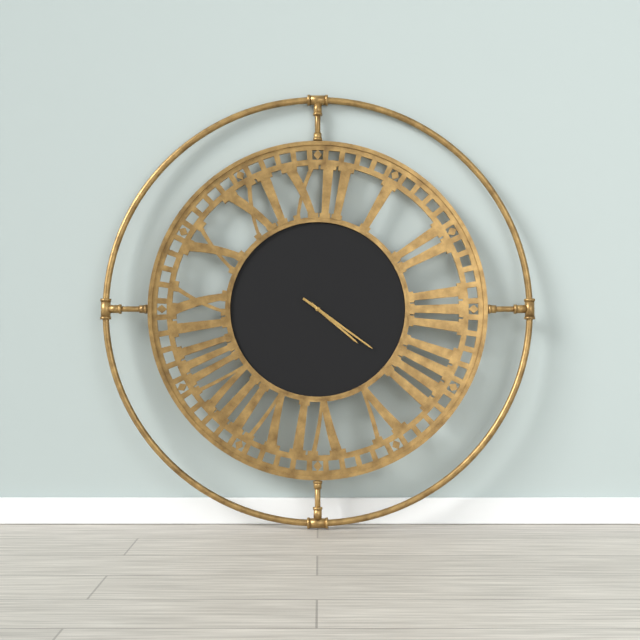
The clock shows 4.21
